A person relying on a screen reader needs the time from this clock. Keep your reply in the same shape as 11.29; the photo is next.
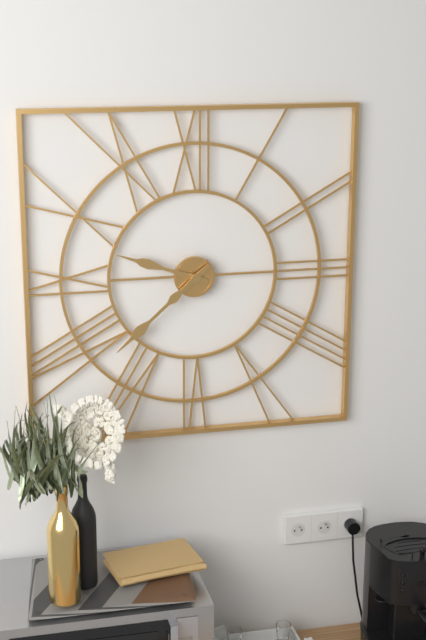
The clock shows 9.38
